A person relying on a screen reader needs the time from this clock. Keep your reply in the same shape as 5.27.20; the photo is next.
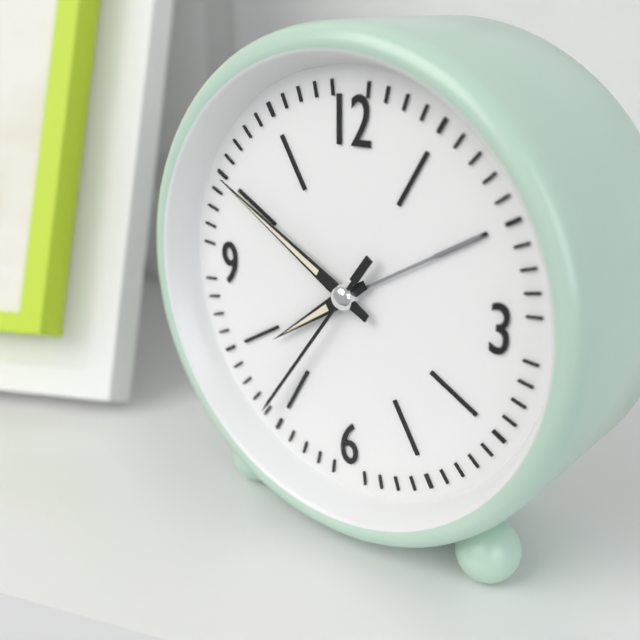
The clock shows 7.50.36
